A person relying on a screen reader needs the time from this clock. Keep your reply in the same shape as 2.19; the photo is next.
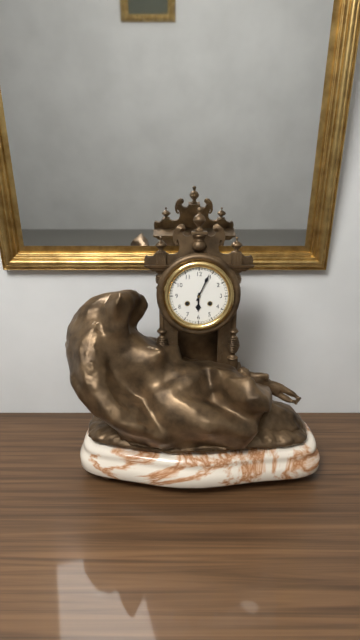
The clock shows 6.04
